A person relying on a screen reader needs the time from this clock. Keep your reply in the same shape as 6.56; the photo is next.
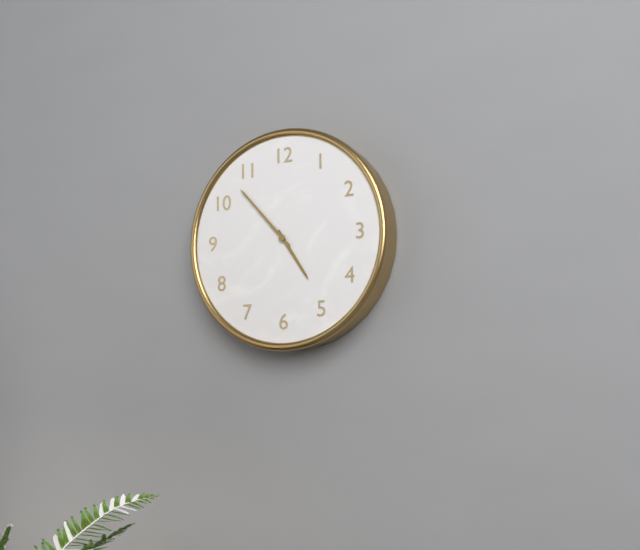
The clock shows 4.53
